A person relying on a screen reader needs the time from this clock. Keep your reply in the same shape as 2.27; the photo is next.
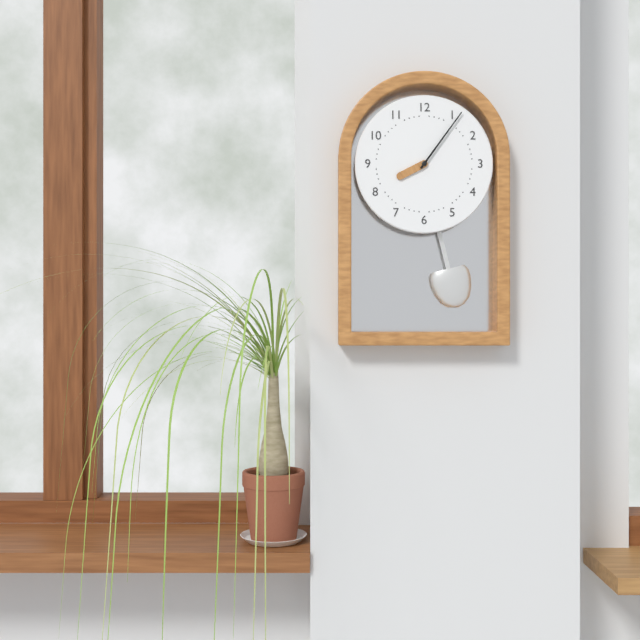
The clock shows 8.06
